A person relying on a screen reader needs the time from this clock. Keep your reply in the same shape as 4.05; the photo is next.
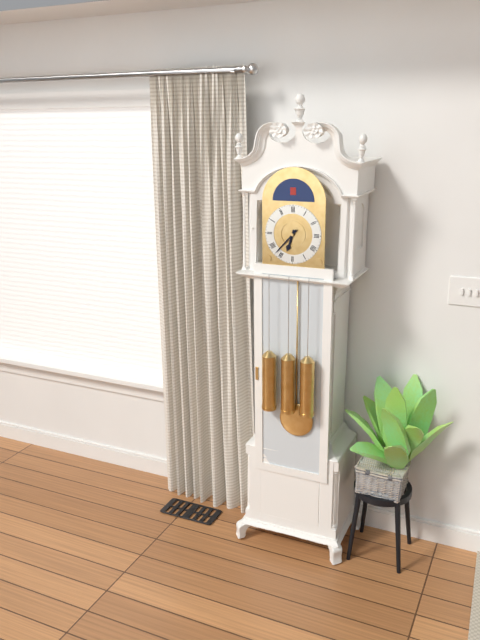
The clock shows 6.37
